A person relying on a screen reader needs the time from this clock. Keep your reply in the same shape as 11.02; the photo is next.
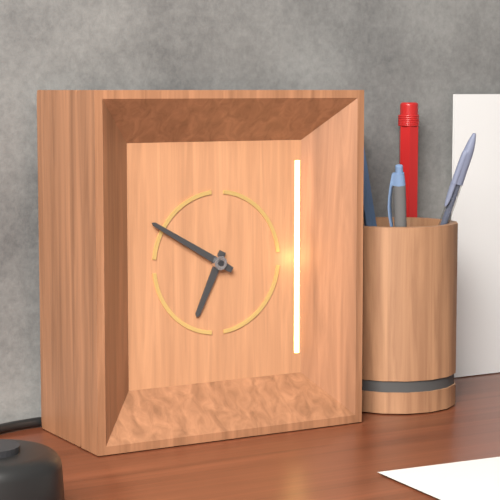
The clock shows 6.50
